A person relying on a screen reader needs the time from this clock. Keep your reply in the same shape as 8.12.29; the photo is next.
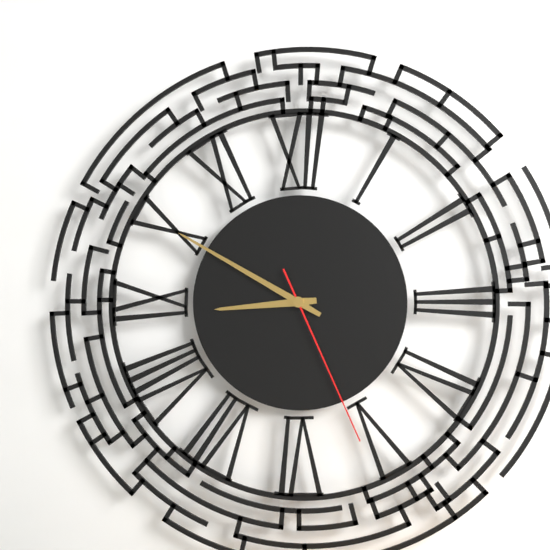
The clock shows 8.50.26
